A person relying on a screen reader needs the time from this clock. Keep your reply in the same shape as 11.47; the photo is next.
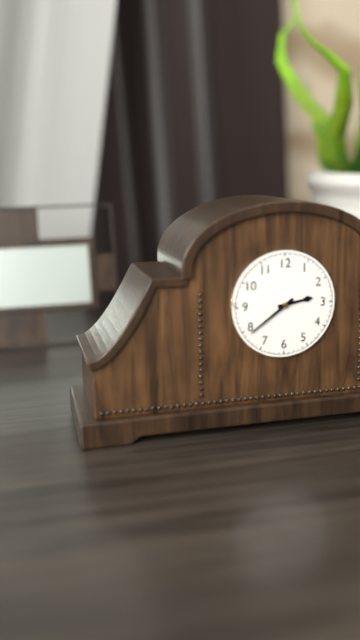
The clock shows 2.39
